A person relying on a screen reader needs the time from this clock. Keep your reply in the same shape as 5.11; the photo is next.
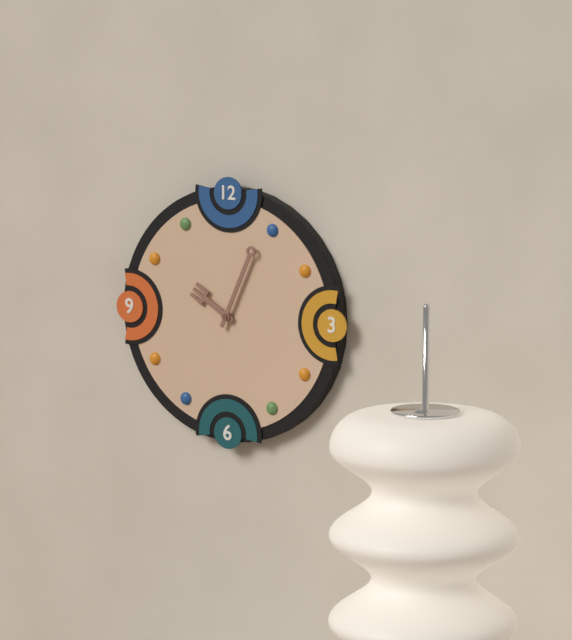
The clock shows 10.04
